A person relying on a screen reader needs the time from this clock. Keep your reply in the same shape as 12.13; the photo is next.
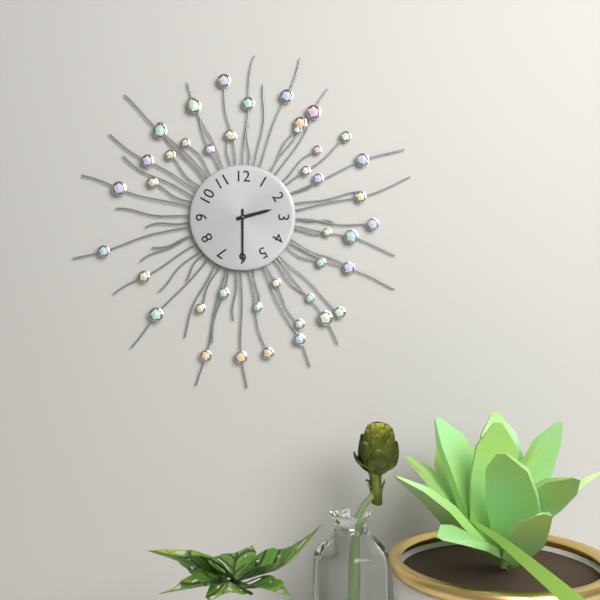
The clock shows 2.30
